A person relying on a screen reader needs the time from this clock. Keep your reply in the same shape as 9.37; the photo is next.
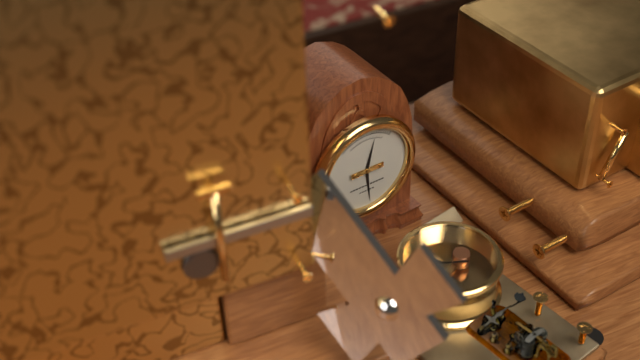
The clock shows 12.29
